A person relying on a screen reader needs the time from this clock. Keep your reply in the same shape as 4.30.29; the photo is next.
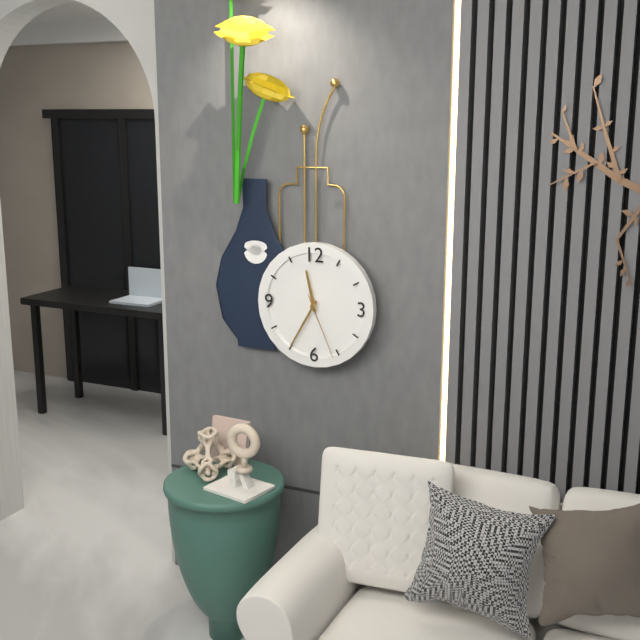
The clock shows 11.35.26
